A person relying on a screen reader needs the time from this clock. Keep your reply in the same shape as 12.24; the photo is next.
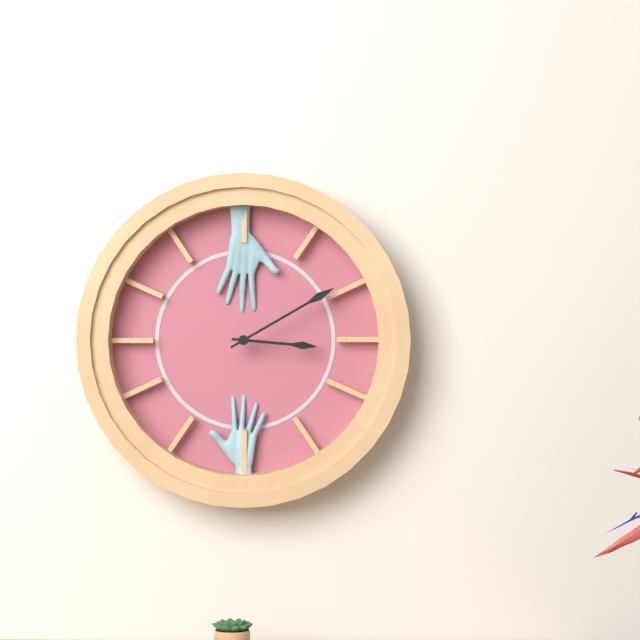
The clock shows 3.10
